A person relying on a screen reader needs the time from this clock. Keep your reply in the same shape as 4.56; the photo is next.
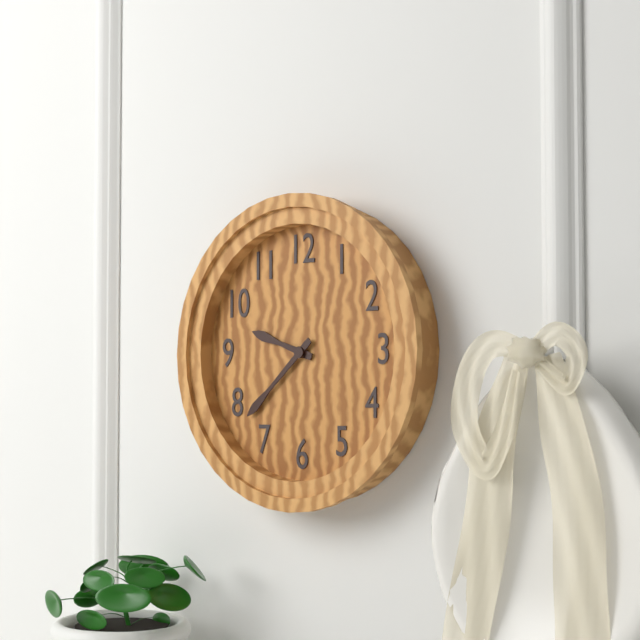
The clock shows 9.38
